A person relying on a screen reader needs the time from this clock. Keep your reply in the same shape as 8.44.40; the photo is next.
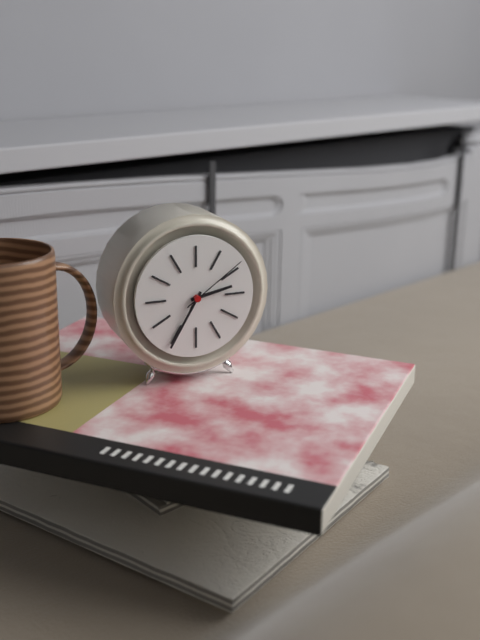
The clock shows 2.35.09
